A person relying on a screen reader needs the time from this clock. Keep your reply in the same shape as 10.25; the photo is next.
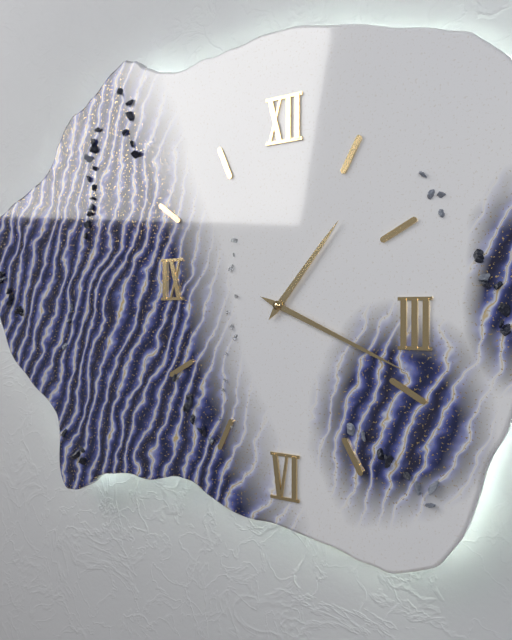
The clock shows 1.19
